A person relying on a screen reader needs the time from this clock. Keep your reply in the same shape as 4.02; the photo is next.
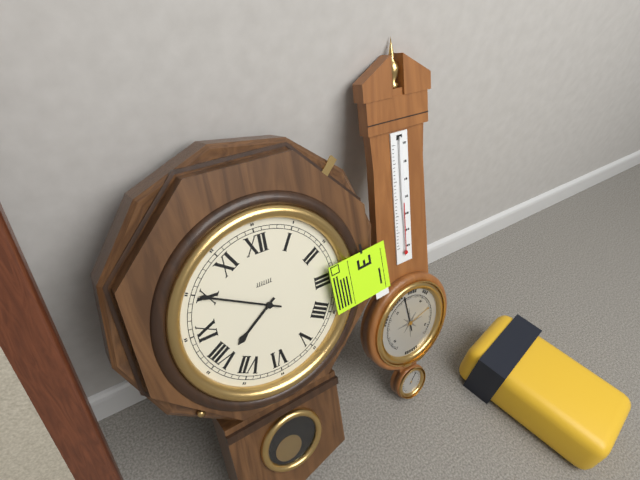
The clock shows 7.50
